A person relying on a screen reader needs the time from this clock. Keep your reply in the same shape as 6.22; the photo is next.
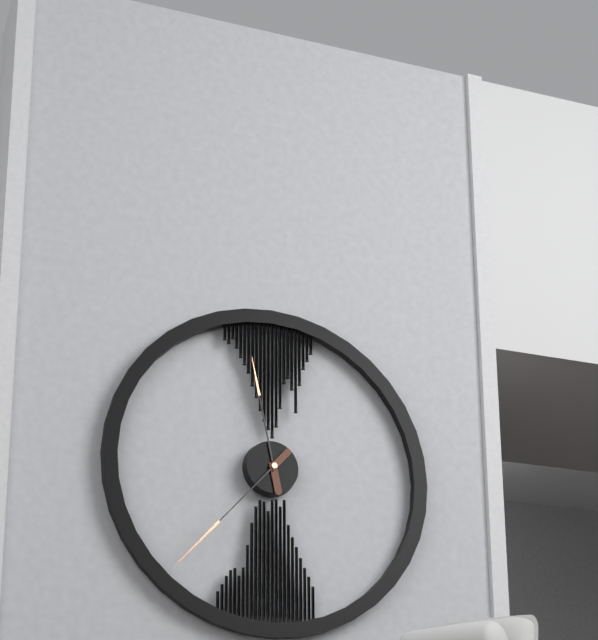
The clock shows 11.37
